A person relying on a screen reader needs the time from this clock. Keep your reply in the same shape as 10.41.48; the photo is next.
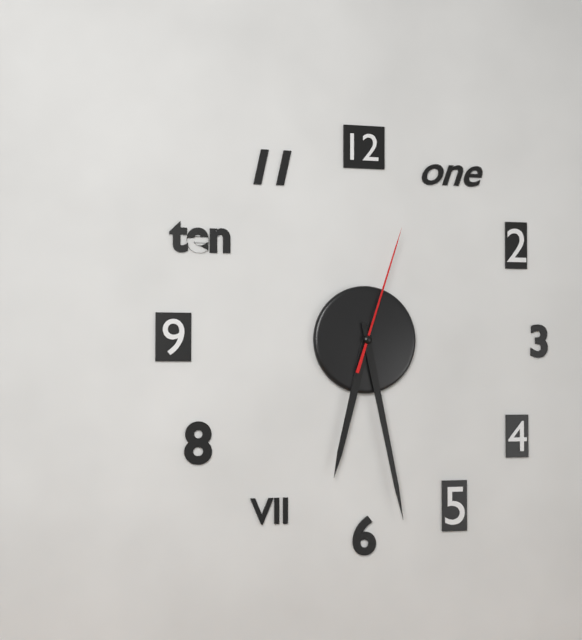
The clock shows 6.28.03
